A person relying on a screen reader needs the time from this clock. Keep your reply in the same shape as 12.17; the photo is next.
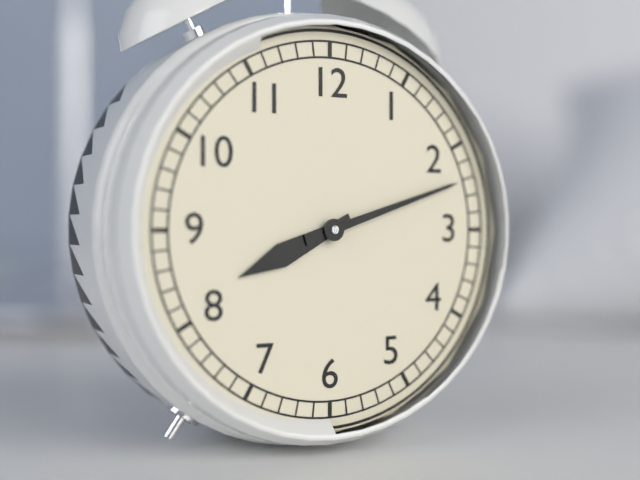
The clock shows 8.12
